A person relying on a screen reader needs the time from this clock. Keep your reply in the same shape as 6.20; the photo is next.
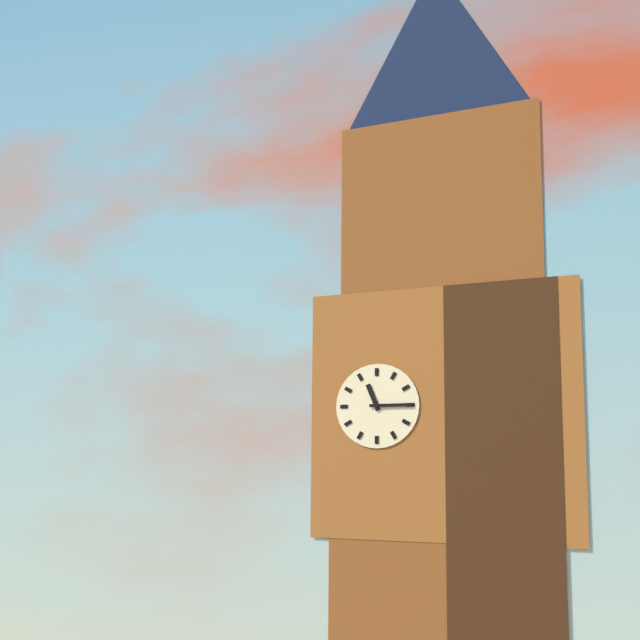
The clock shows 11.15
